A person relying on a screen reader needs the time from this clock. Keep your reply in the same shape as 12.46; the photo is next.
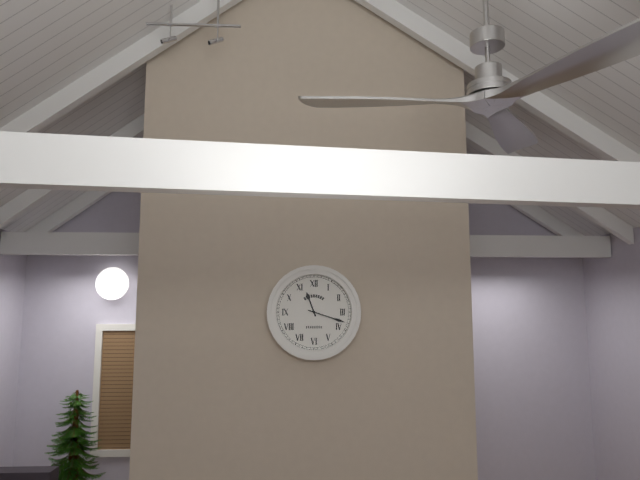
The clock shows 11.18
